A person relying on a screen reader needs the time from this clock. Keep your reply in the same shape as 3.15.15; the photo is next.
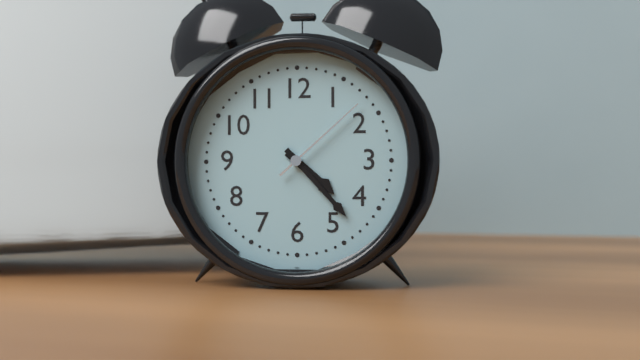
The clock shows 4.23.08
